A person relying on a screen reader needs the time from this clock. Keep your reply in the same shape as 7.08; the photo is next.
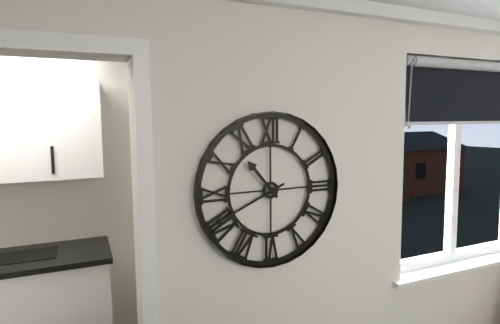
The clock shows 10.41
